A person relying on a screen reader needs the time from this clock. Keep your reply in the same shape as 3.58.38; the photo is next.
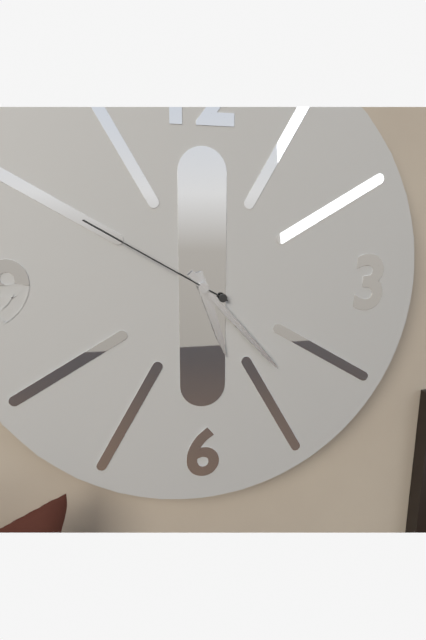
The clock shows 5.23.50
